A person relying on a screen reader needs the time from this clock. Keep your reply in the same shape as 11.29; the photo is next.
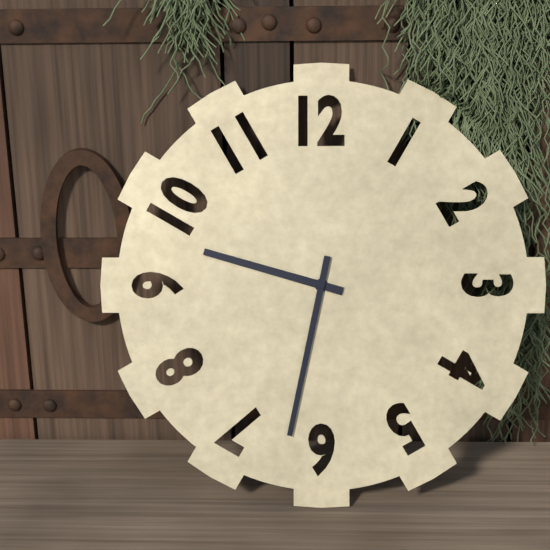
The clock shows 9.32
